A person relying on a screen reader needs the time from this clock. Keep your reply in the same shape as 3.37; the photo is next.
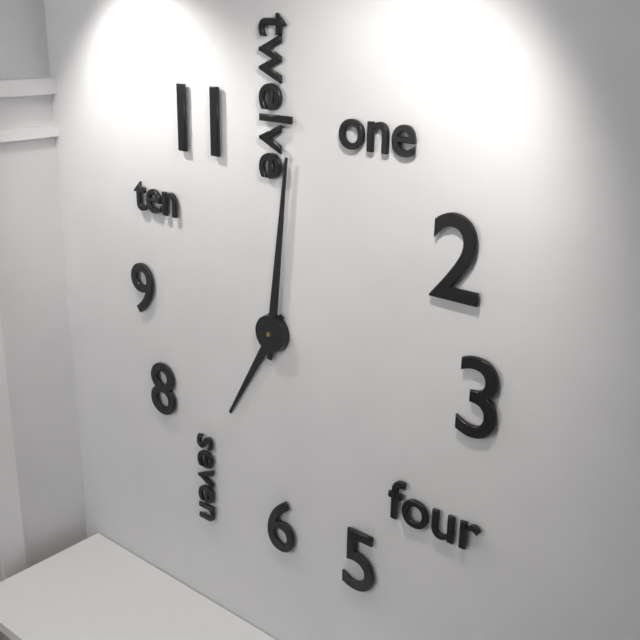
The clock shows 7.01
